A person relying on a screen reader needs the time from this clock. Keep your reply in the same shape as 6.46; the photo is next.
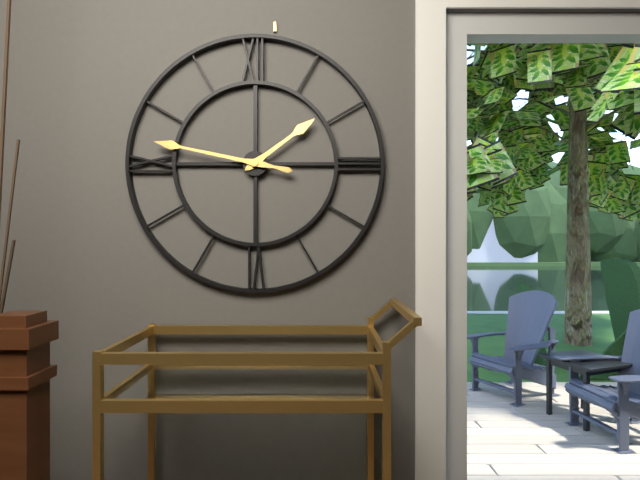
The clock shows 1.47
